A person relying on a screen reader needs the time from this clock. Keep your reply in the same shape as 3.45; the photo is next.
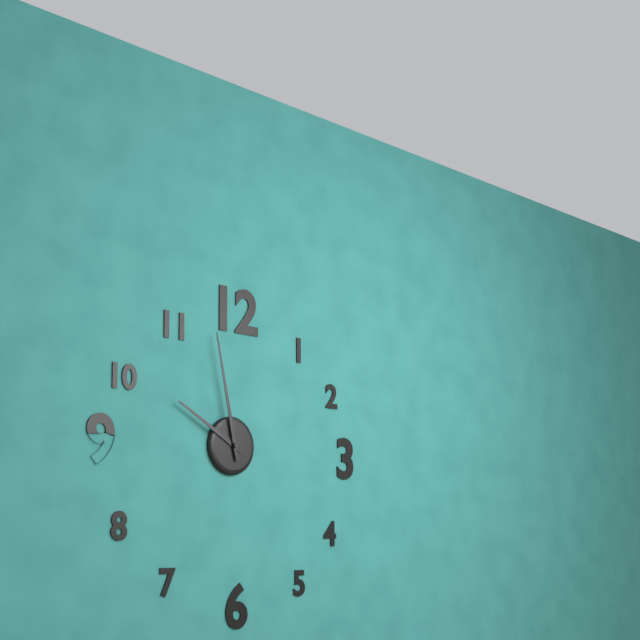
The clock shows 9.58
